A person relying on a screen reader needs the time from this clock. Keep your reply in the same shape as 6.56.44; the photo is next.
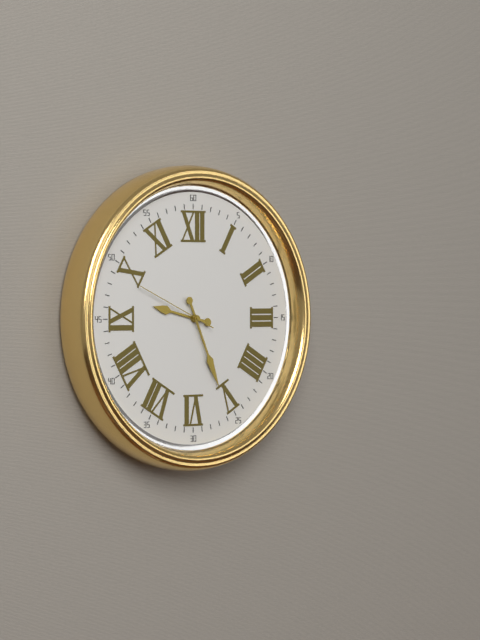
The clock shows 9.26.49
